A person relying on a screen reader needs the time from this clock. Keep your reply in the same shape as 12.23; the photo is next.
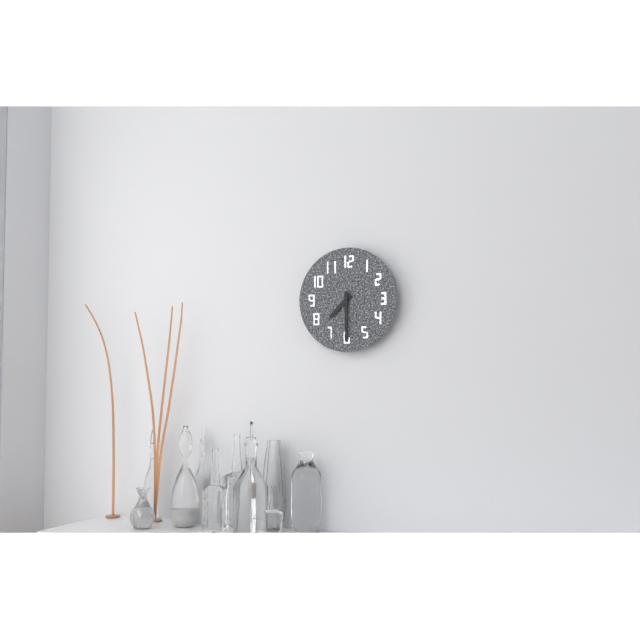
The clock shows 7.30
